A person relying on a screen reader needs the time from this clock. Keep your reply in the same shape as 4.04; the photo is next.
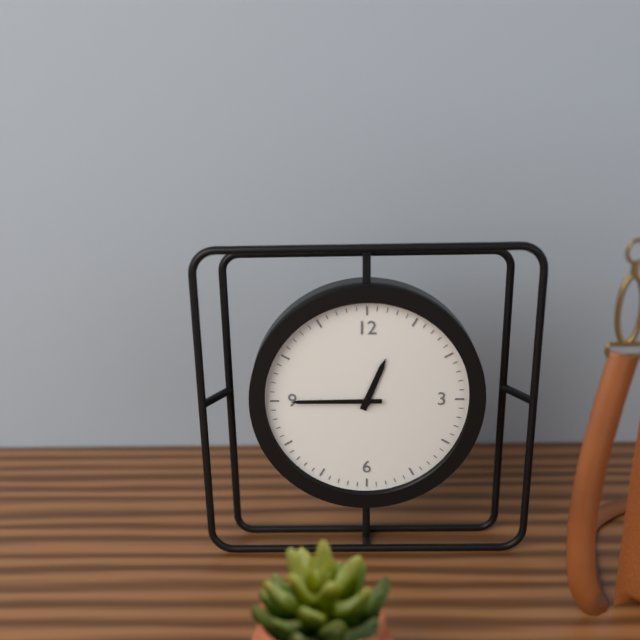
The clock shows 12.45
